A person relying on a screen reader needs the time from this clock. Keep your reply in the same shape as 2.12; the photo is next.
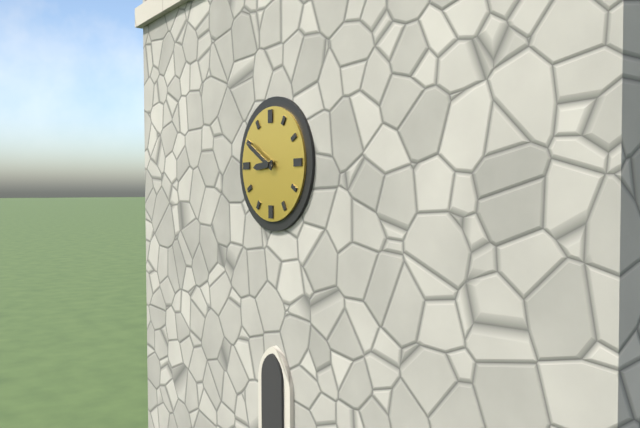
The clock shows 8.50
